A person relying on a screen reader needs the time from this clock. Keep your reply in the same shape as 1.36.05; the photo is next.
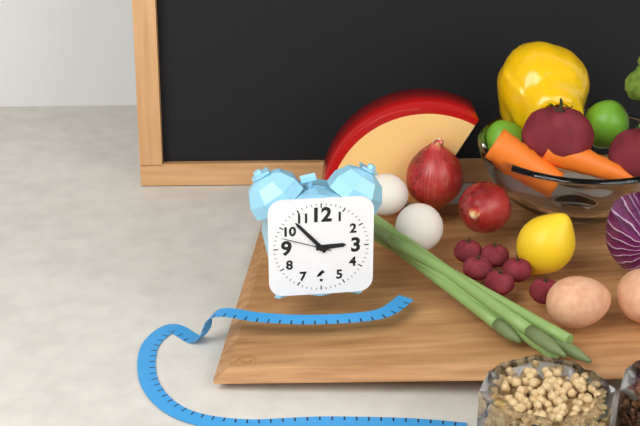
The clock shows 2.53.48
